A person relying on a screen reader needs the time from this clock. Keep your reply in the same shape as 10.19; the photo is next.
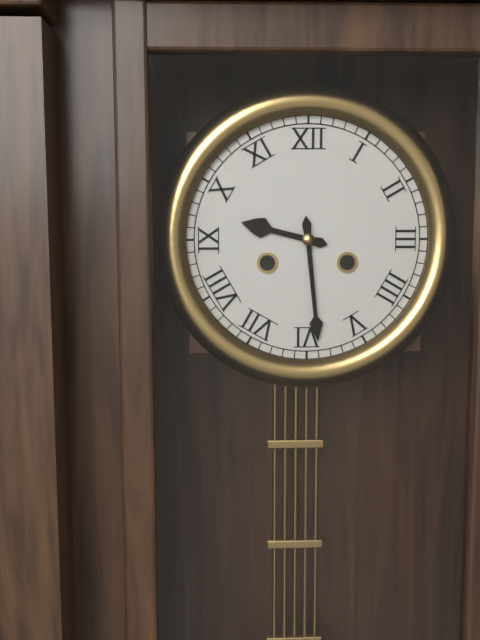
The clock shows 9.29
